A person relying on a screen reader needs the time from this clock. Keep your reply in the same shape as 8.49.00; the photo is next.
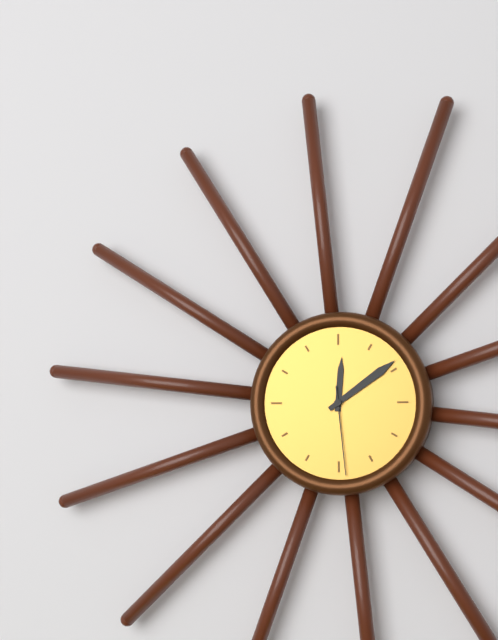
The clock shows 12.09.29
